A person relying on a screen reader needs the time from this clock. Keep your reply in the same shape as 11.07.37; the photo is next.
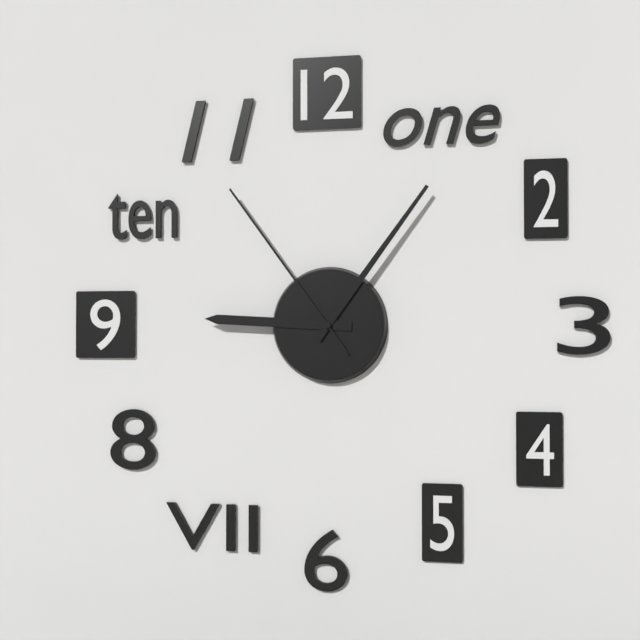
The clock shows 9.06.54
